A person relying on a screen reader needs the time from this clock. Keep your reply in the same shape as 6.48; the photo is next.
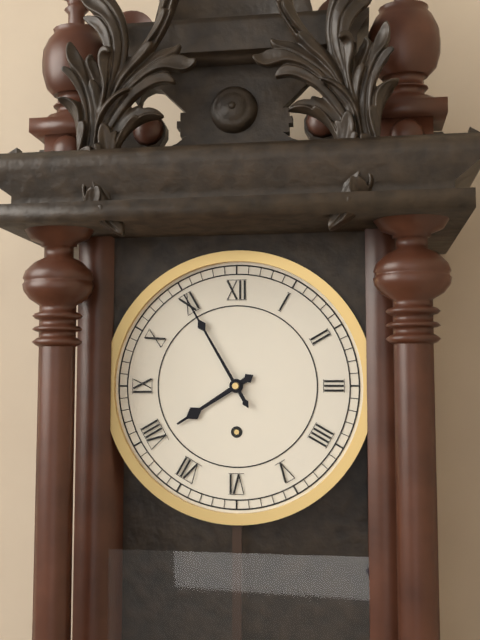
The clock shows 7.55
